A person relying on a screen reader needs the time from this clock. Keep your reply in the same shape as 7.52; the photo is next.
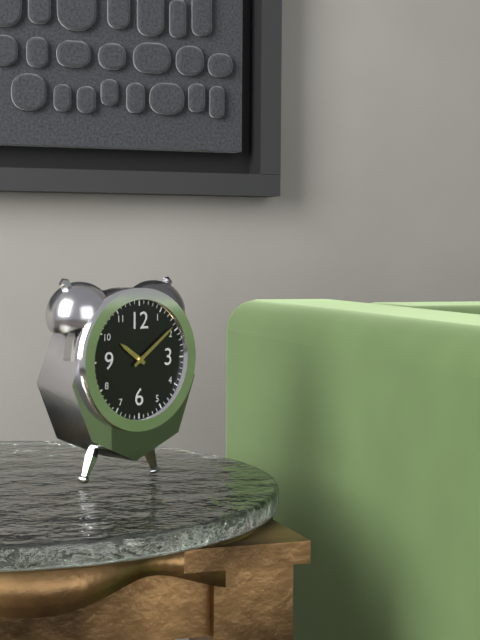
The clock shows 10.09
